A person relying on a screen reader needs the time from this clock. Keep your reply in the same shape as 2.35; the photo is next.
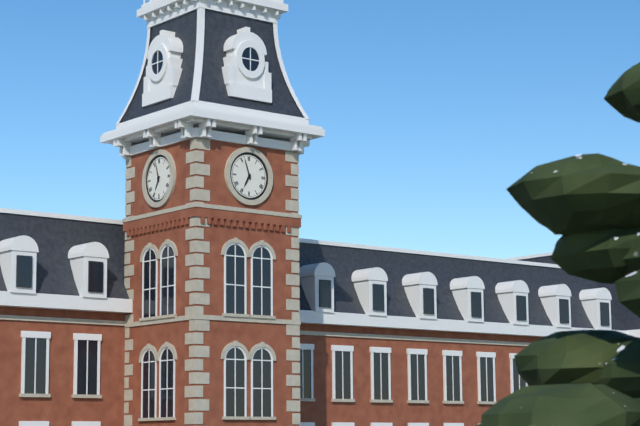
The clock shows 6.57
